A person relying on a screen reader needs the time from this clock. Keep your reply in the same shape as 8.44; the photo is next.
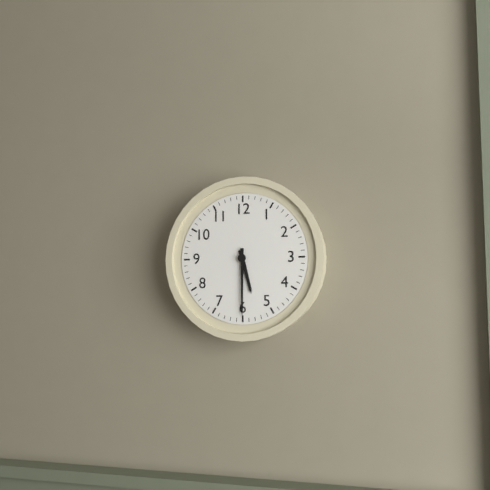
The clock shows 5.30
